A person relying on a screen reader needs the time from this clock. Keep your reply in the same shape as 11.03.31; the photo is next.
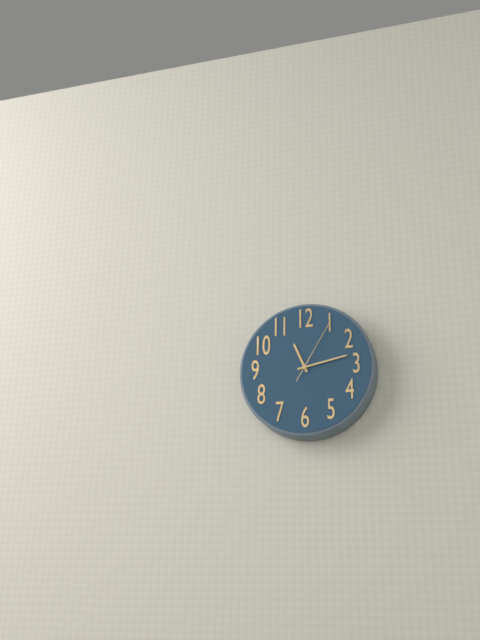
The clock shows 11.13.05
